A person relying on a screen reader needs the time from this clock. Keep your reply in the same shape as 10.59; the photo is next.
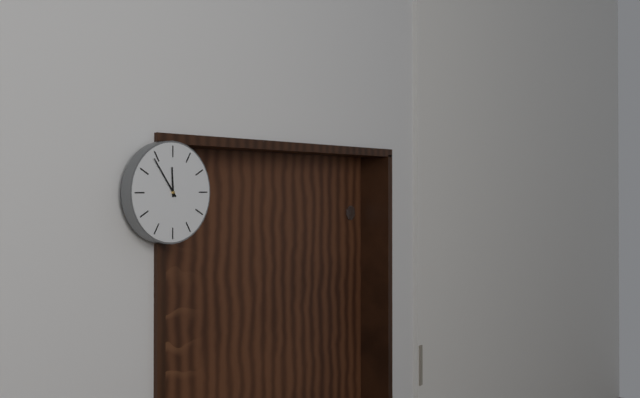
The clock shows 11.54
